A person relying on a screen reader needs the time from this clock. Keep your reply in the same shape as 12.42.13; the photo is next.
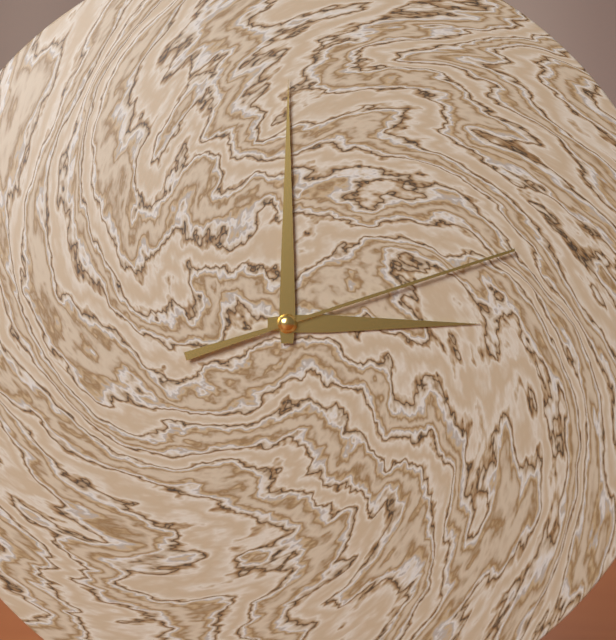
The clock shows 3.00.12
